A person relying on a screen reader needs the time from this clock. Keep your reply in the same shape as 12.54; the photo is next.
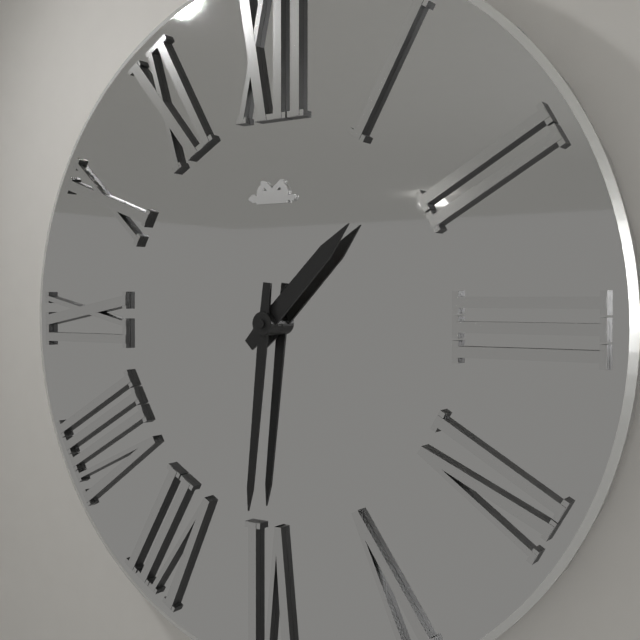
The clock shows 1.31
